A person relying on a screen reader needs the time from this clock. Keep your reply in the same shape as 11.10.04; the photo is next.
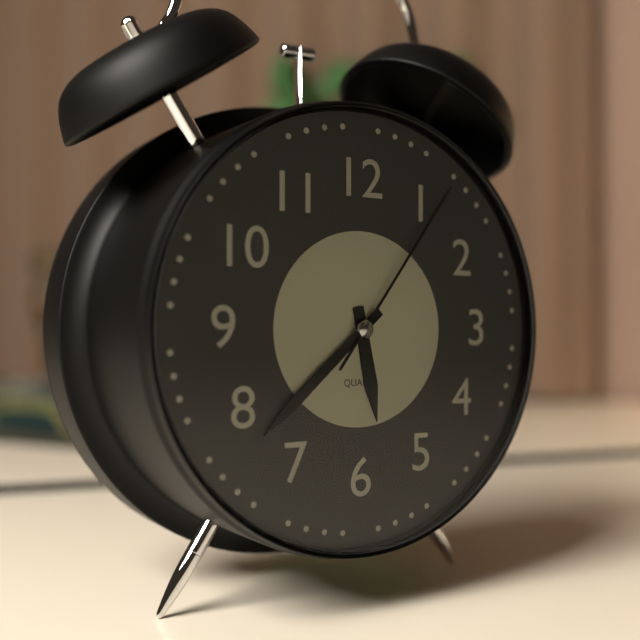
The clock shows 5.38.06
